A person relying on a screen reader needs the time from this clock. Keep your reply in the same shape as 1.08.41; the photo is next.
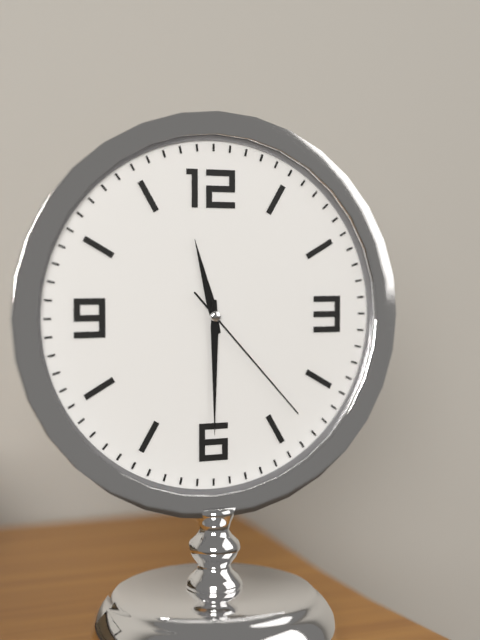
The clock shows 11.30.23
